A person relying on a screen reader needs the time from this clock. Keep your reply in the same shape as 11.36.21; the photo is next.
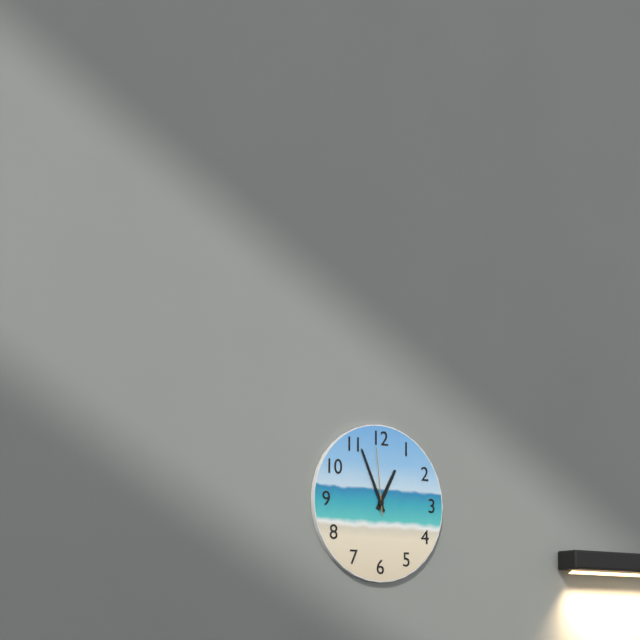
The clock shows 12.56.59
